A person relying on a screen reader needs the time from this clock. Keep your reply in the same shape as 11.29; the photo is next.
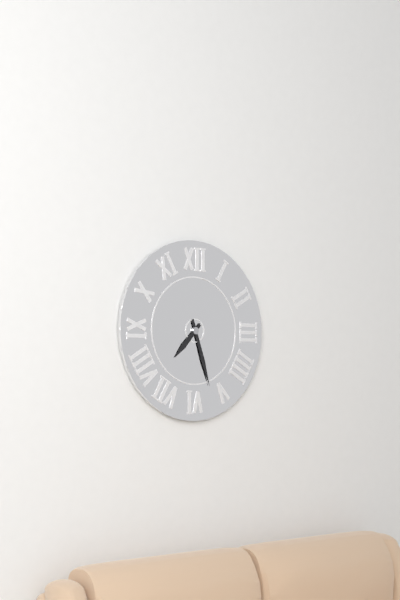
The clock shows 7.27
